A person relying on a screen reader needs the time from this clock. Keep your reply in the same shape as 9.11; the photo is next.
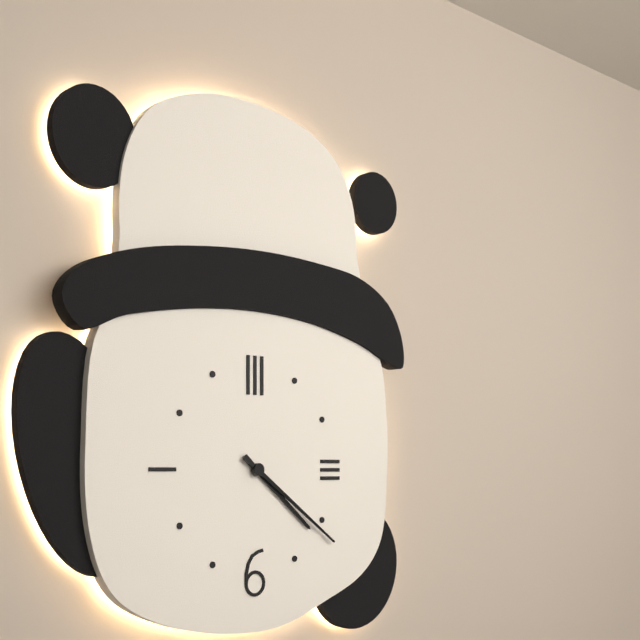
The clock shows 4.21
